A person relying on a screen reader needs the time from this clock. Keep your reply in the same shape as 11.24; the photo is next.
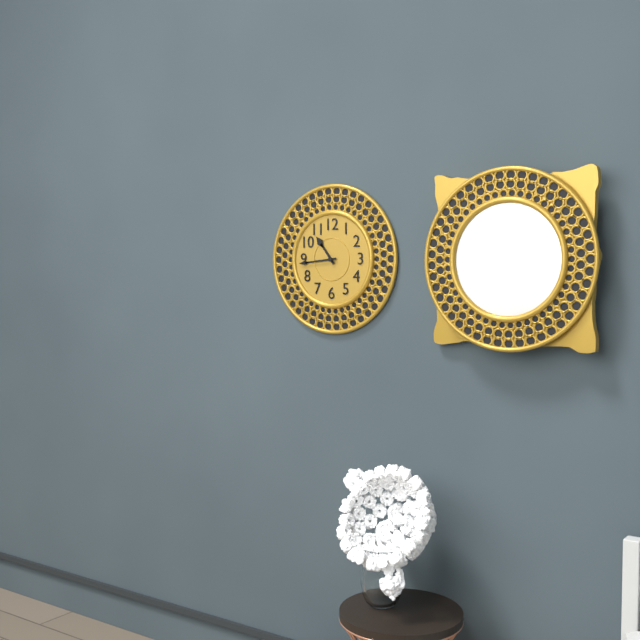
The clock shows 10.44
